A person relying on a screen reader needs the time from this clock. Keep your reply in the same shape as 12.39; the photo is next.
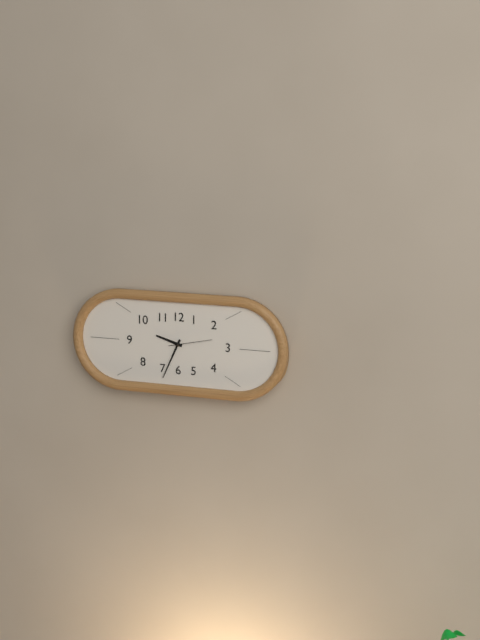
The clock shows 9.34
